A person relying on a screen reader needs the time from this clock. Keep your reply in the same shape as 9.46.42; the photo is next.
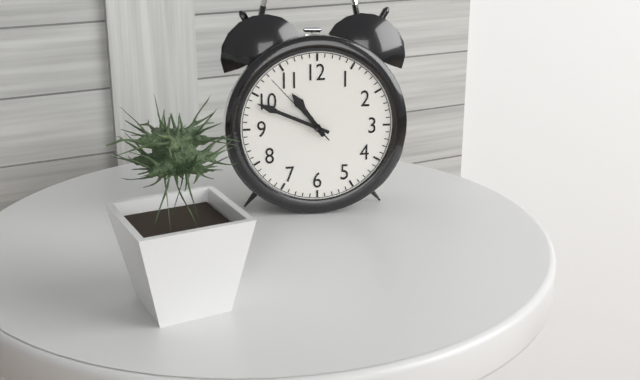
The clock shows 10.49.53
